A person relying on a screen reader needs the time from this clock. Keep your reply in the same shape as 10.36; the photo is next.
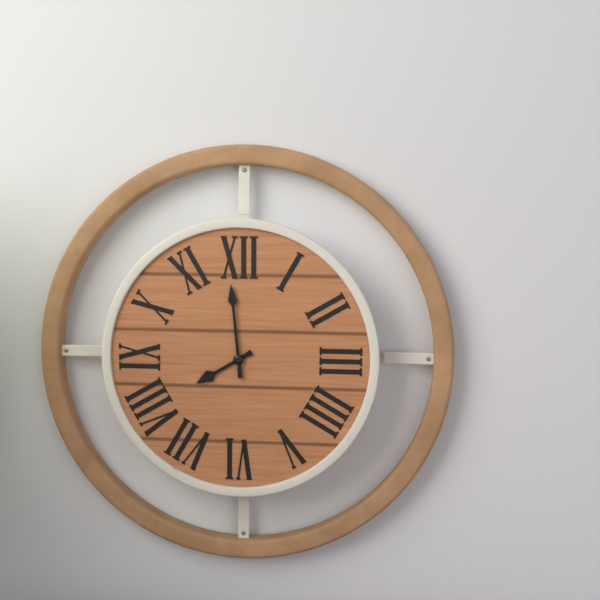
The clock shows 7.59
